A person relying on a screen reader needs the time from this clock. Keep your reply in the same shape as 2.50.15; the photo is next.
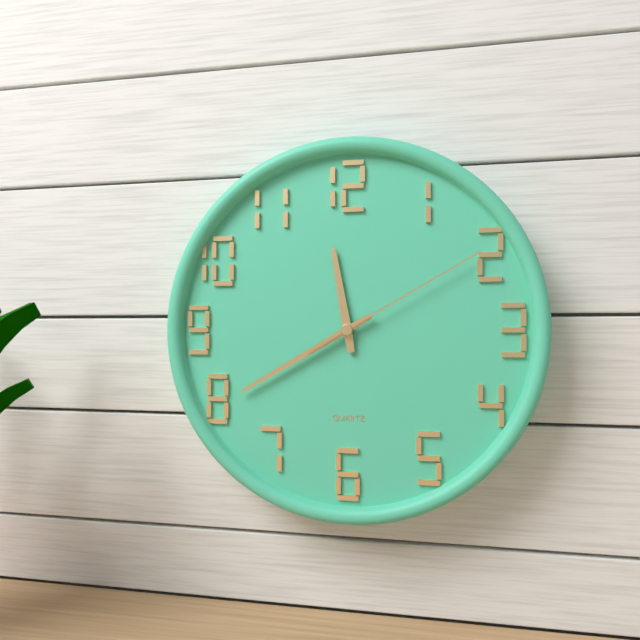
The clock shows 11.40.10
